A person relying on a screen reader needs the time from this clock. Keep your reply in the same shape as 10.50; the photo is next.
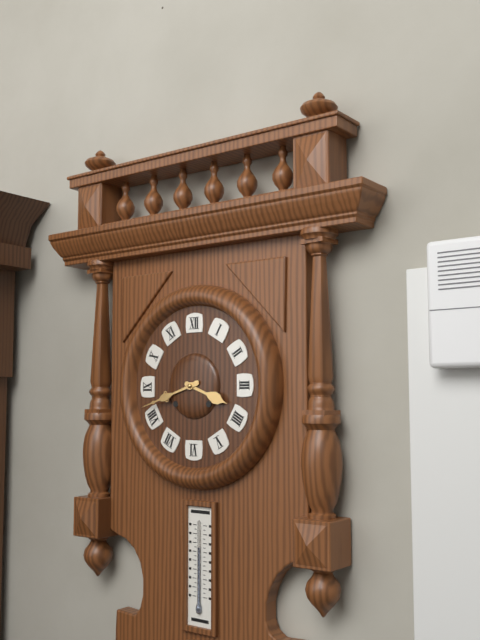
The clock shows 3.42
